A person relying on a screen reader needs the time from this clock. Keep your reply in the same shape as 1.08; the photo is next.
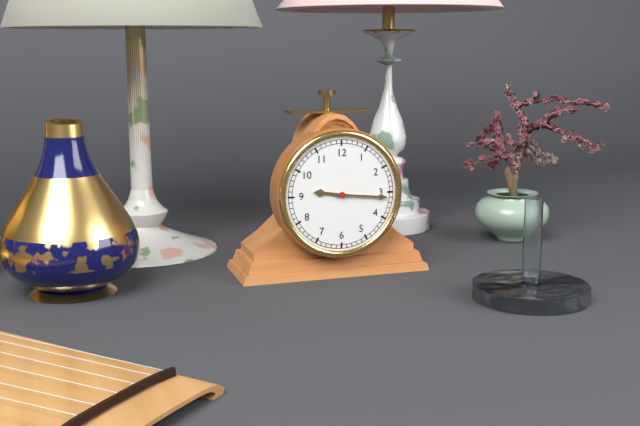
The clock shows 9.16
